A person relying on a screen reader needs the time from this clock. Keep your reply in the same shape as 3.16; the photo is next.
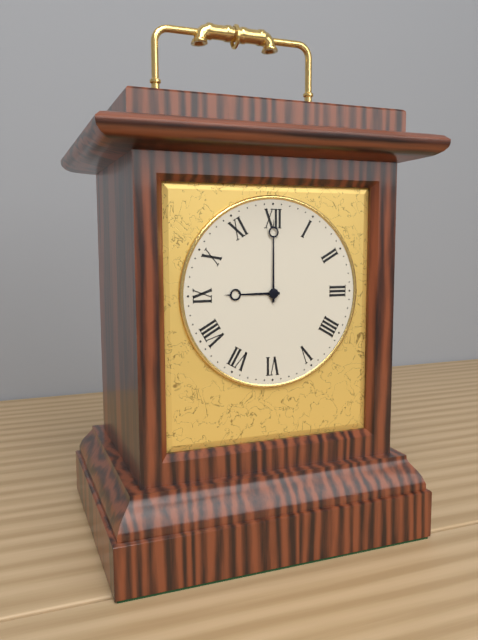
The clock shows 9.00
